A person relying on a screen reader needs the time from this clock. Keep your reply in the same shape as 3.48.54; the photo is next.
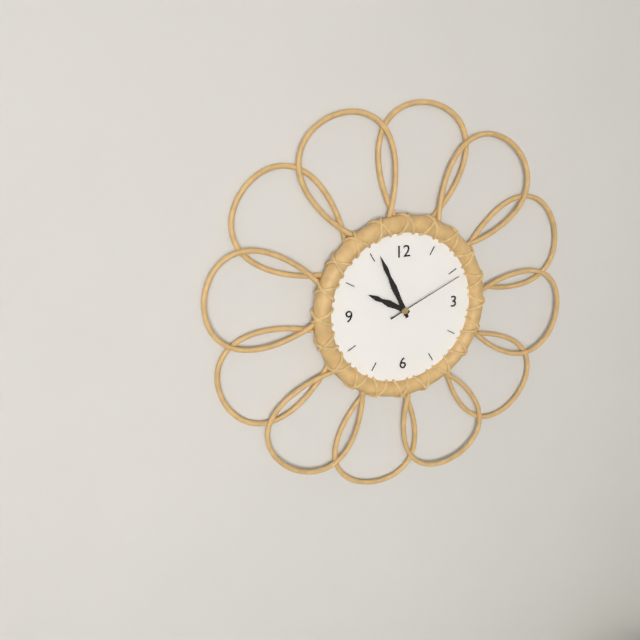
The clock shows 9.56.11
